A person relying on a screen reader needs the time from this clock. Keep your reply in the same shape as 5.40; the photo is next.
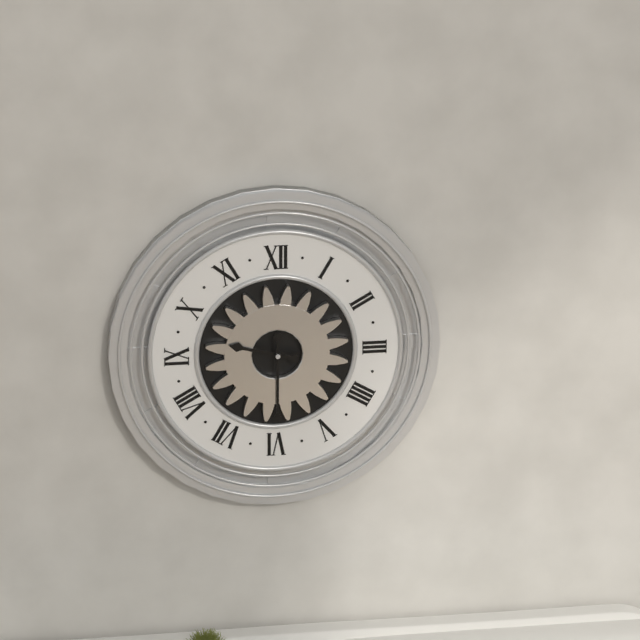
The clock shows 9.30
